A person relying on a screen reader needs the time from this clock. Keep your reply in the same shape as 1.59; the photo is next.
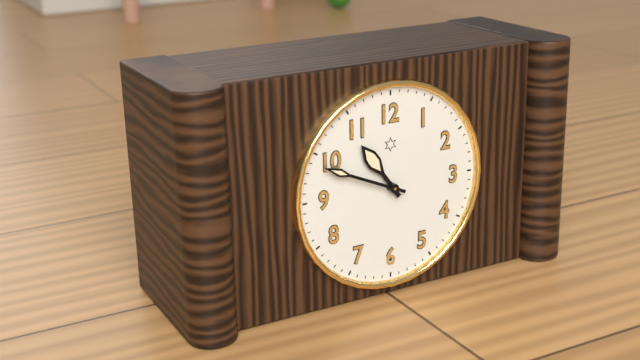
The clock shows 10.49
